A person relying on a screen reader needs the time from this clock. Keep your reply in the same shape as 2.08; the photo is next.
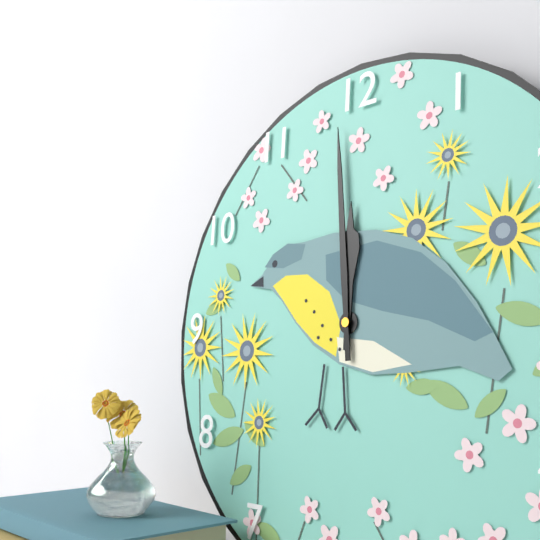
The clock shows 11.59
